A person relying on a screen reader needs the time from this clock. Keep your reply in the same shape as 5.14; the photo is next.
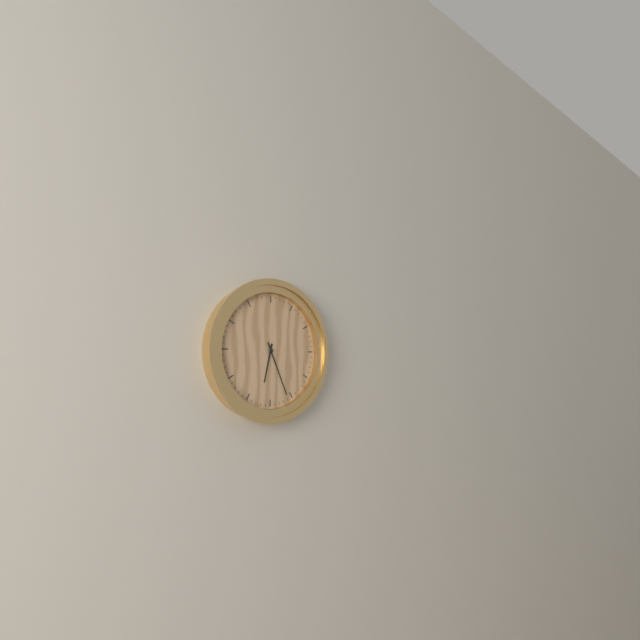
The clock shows 6.26
